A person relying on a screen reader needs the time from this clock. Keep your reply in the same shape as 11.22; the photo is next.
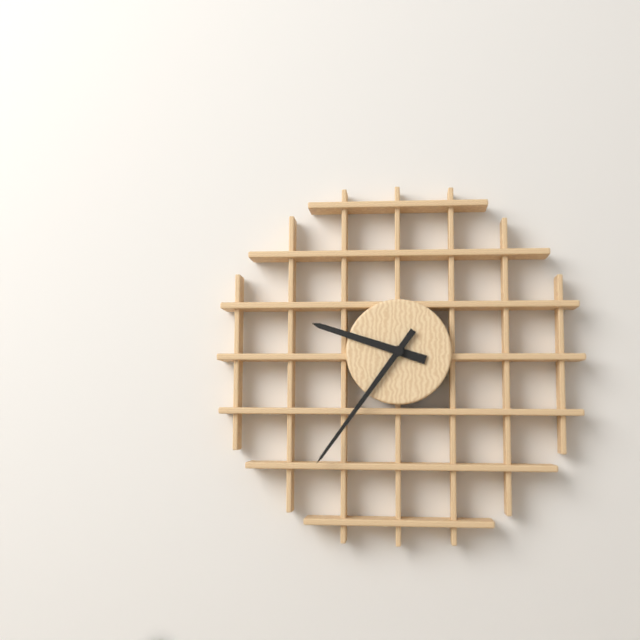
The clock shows 9.36
